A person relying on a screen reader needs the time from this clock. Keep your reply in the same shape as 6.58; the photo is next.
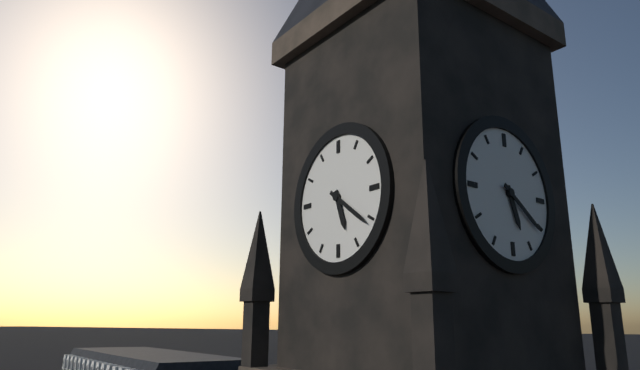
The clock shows 5.21
